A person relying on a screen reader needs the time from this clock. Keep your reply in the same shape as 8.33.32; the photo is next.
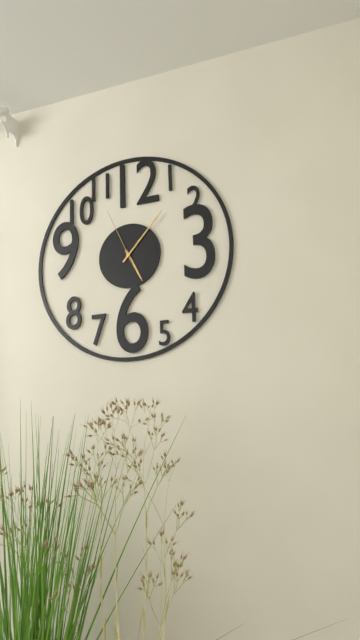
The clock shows 5.07.56
